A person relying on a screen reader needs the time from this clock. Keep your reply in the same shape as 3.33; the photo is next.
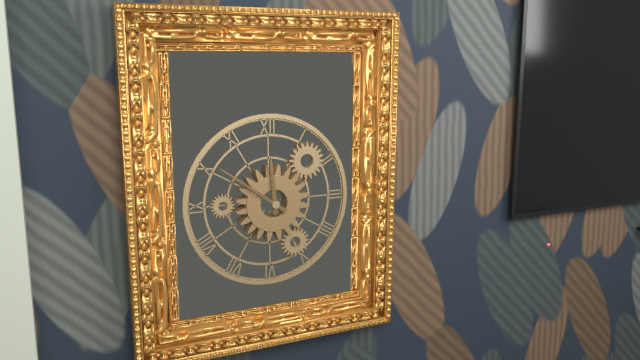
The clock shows 11.51
